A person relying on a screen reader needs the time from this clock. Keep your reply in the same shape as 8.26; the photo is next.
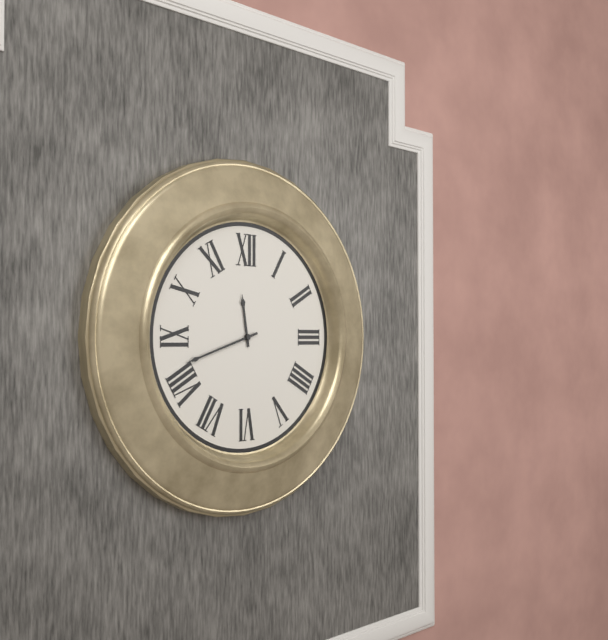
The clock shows 11.42
